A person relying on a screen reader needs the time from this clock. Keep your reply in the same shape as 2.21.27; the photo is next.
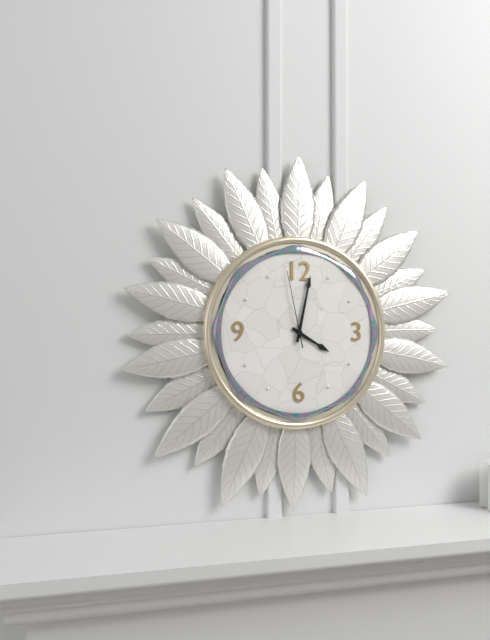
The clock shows 4.02.58
